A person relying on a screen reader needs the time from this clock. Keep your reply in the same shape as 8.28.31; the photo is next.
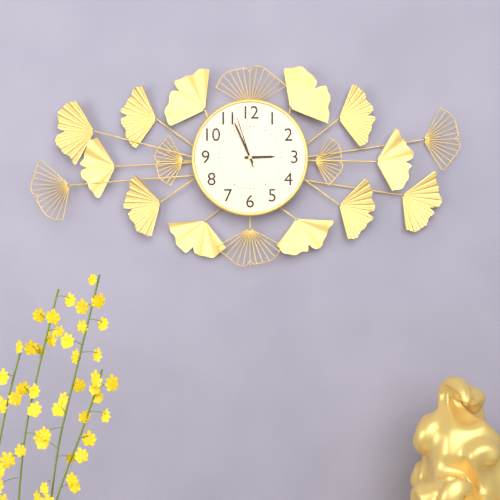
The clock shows 2.56.57
